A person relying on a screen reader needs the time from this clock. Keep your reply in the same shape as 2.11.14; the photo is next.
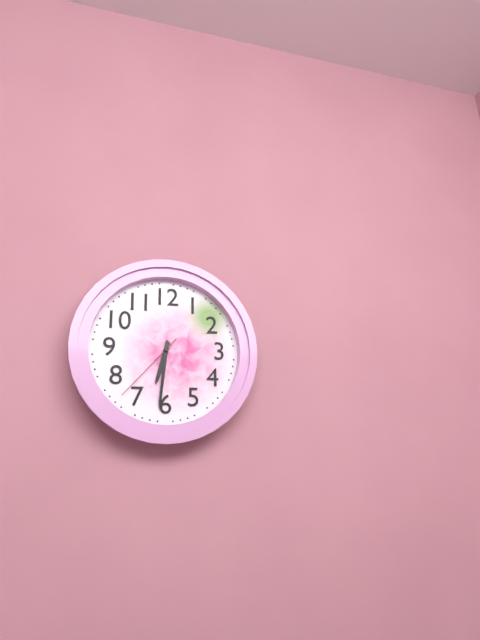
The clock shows 6.31.37
